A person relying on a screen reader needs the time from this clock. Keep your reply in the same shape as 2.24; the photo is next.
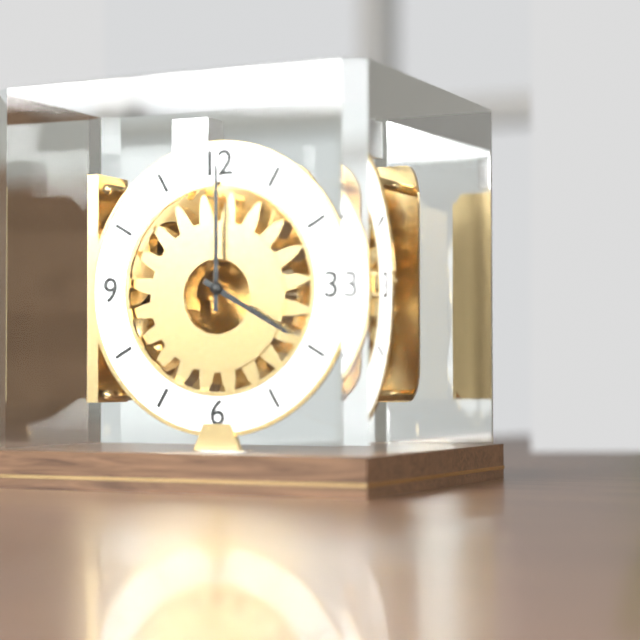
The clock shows 4.00
